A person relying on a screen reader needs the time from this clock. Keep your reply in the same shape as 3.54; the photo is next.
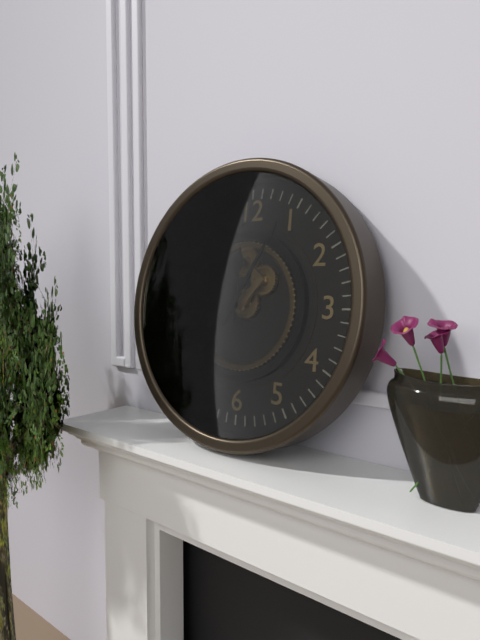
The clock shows 12.05
